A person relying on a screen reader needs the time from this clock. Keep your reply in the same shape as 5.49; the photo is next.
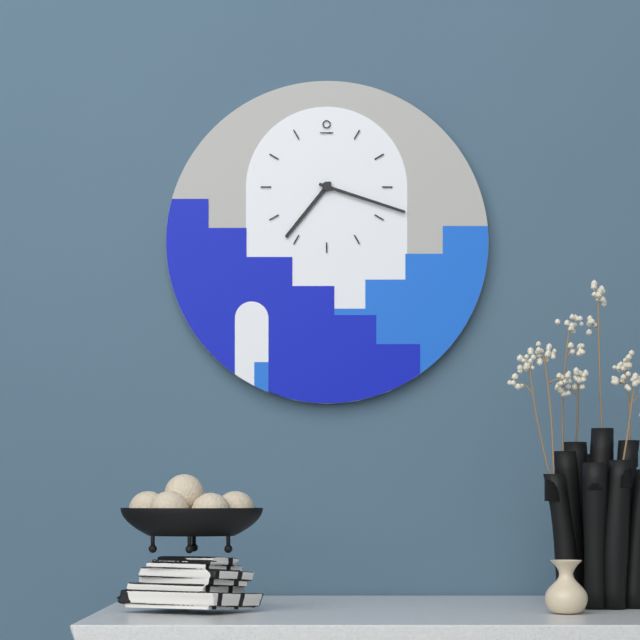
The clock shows 7.18
